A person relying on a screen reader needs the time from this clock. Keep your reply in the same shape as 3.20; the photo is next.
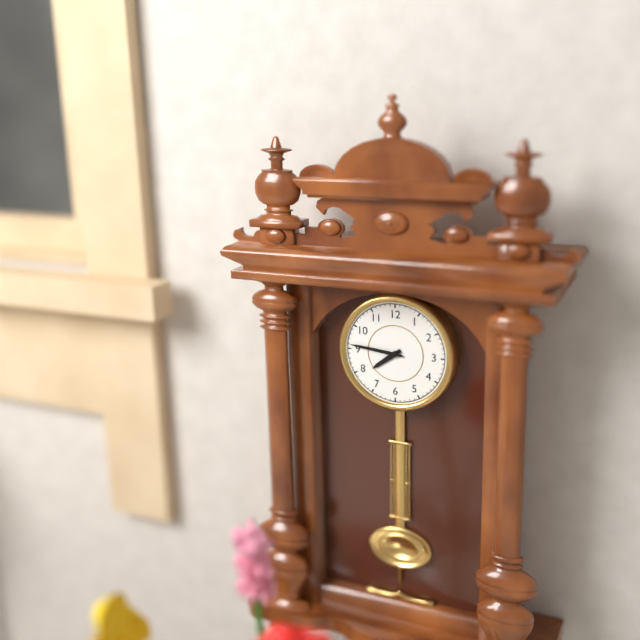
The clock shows 7.46
